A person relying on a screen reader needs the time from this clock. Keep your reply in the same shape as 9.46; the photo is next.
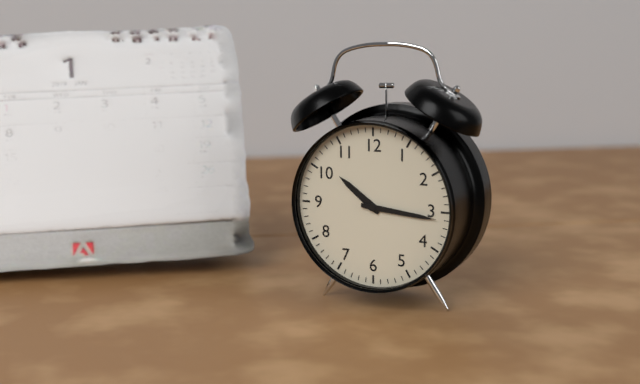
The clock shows 10.16
